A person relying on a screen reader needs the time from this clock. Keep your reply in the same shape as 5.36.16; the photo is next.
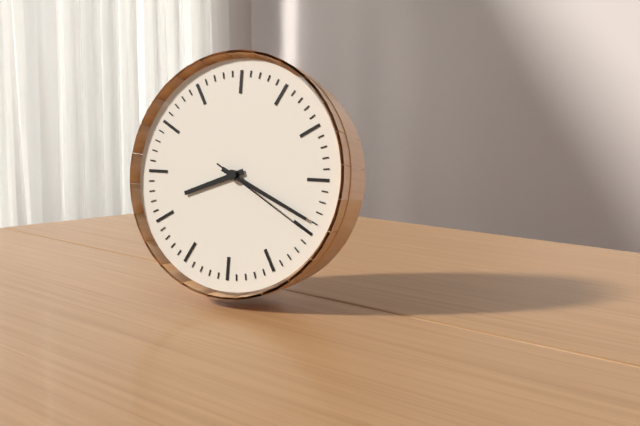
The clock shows 8.19.20
